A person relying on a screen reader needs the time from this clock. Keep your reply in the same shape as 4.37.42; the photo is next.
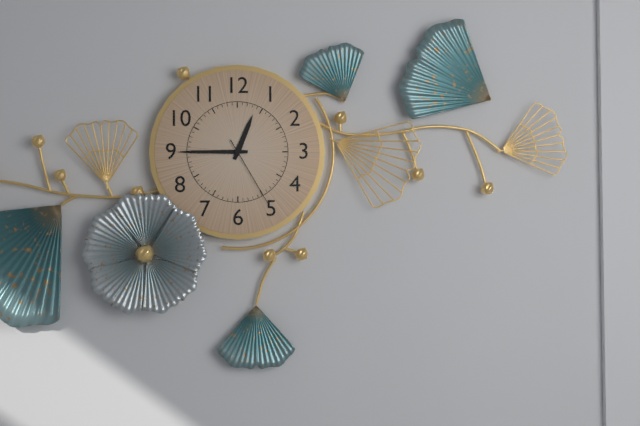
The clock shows 12.45.25
